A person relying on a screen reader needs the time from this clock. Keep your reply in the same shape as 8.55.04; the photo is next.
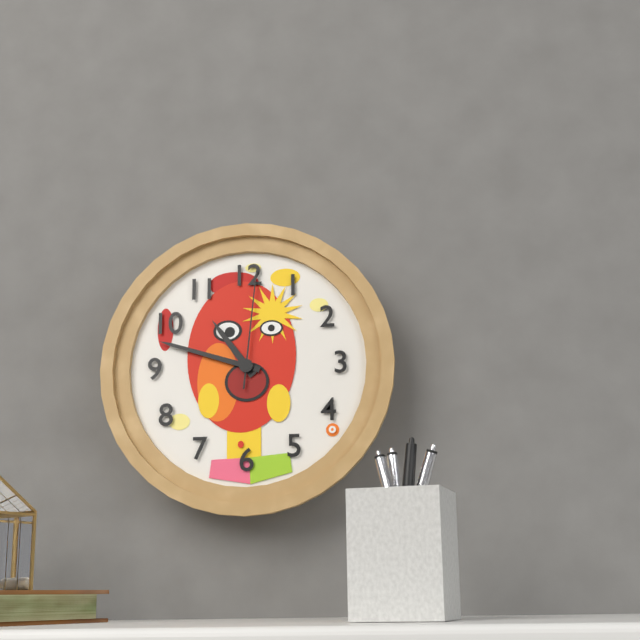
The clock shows 10.48.01
